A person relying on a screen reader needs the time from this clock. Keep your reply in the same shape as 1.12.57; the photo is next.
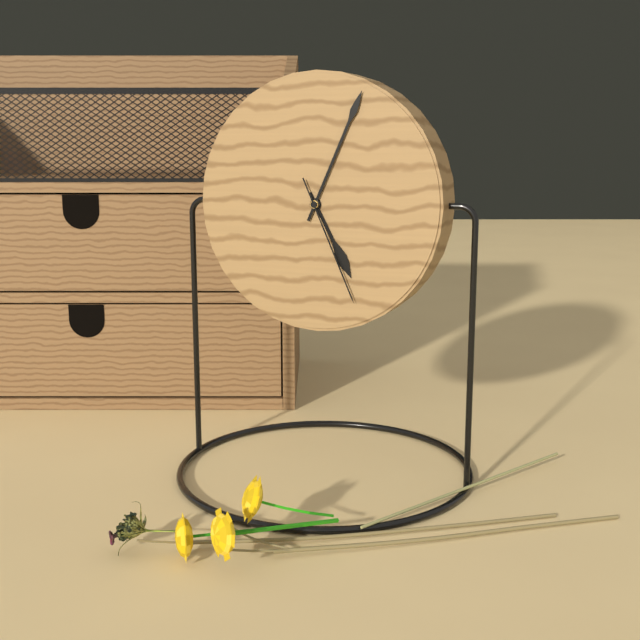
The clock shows 5.04.26
